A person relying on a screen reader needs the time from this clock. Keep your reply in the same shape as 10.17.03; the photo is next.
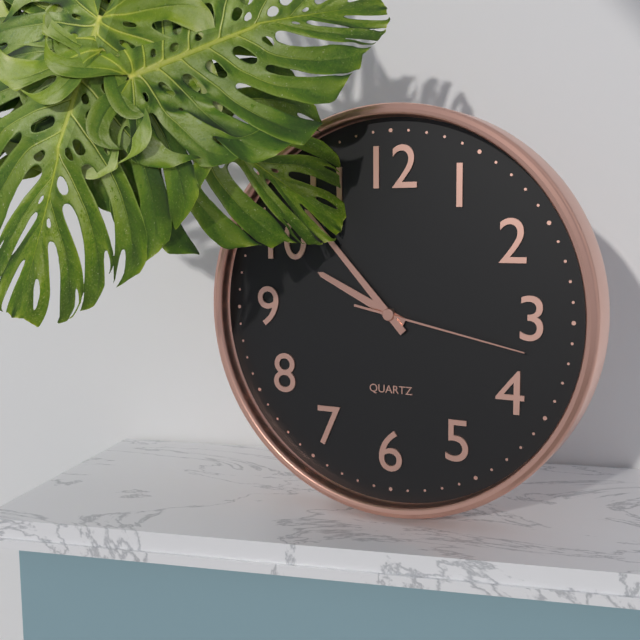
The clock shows 9.53.17
